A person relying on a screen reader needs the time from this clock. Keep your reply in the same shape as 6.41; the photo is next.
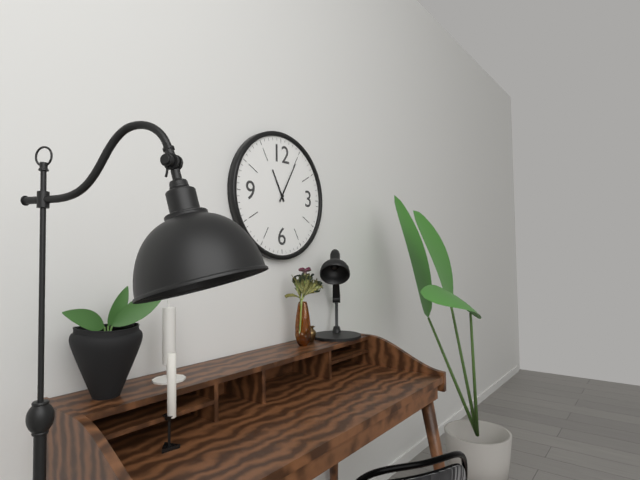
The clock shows 11.05
